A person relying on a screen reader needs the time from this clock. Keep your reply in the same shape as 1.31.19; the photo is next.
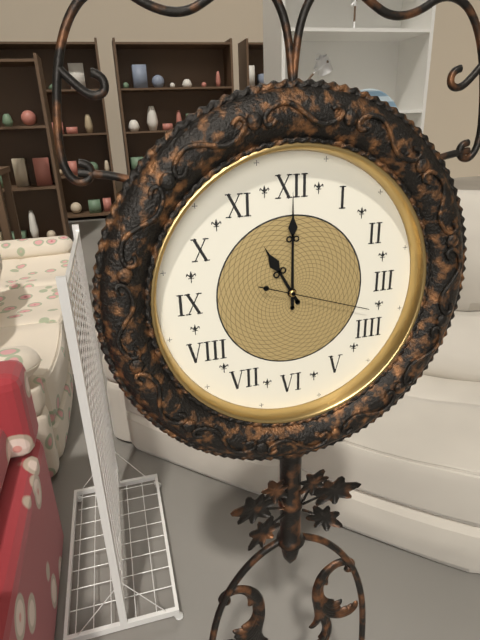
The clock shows 11.00.18
